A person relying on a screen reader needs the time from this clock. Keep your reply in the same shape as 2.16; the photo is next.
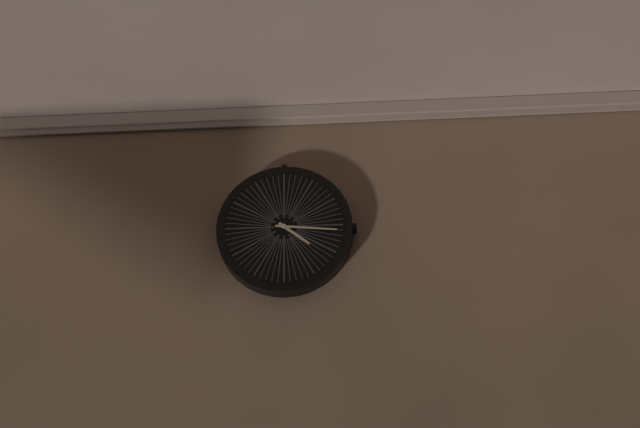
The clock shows 4.16
